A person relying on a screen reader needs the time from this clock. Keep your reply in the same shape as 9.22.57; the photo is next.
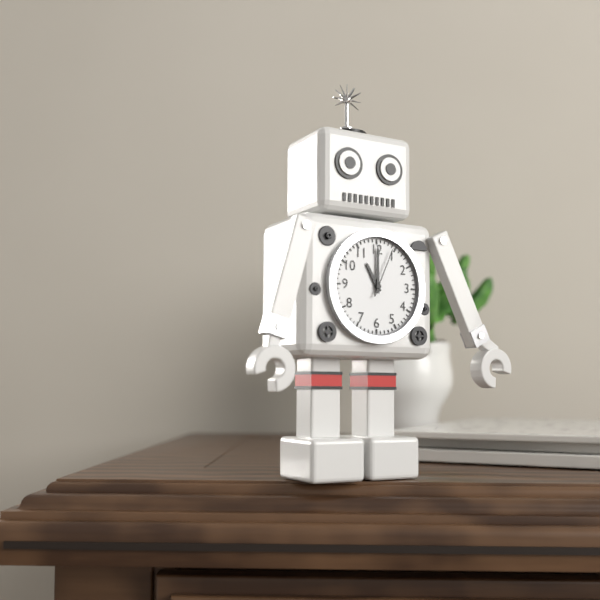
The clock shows 11.00.04
